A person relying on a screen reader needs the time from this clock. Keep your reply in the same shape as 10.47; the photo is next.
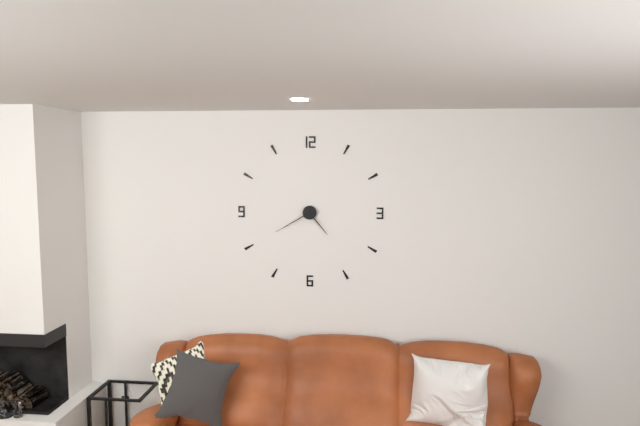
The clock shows 4.40
